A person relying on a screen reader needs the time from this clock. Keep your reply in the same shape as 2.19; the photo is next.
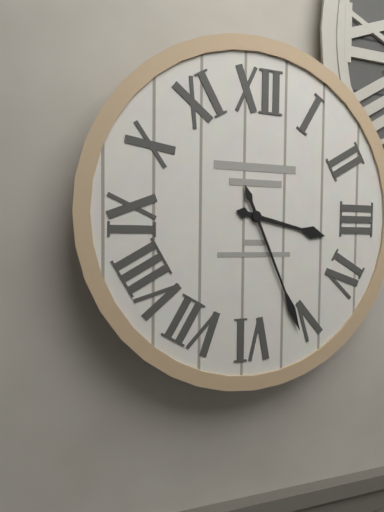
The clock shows 3.26
